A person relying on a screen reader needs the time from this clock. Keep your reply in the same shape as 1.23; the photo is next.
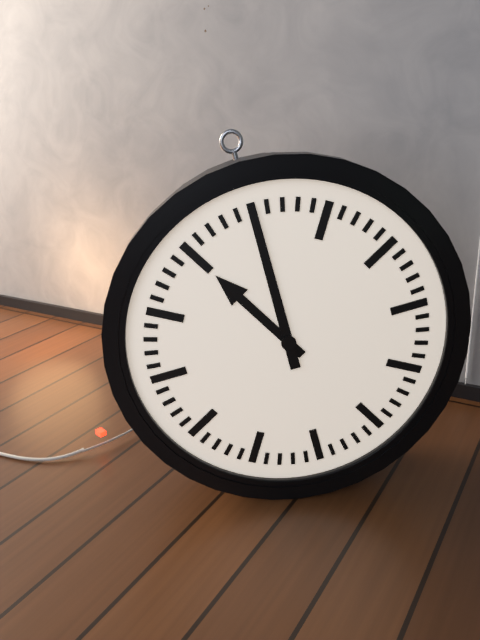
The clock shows 11.00
